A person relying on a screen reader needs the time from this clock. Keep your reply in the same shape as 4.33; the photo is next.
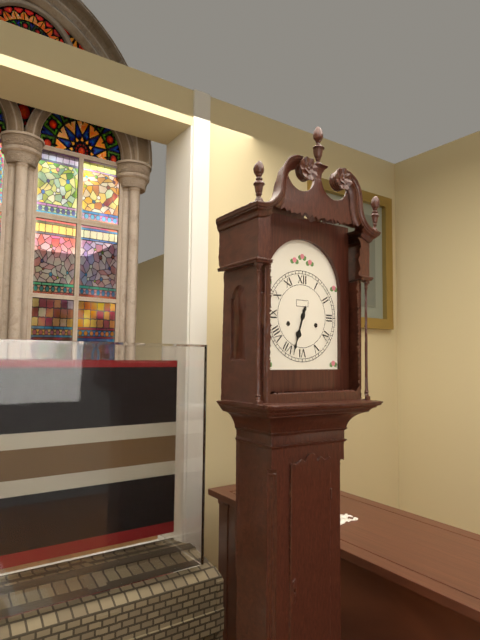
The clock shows 6.33
